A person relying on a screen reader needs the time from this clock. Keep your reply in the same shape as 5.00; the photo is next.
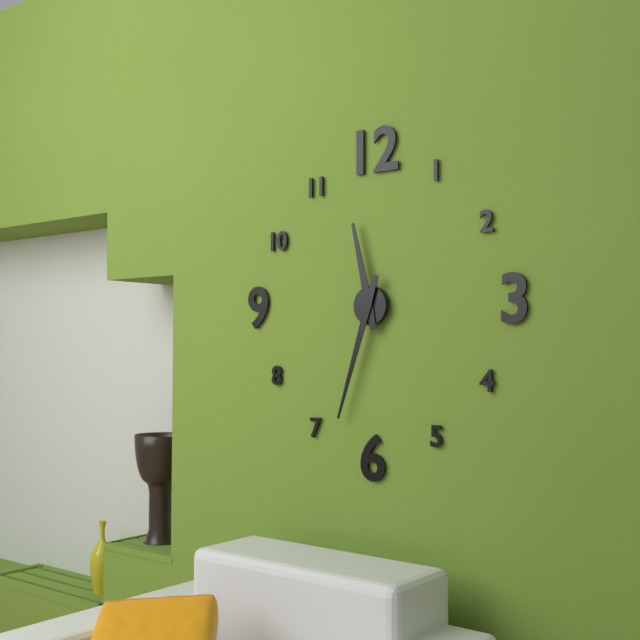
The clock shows 11.33
